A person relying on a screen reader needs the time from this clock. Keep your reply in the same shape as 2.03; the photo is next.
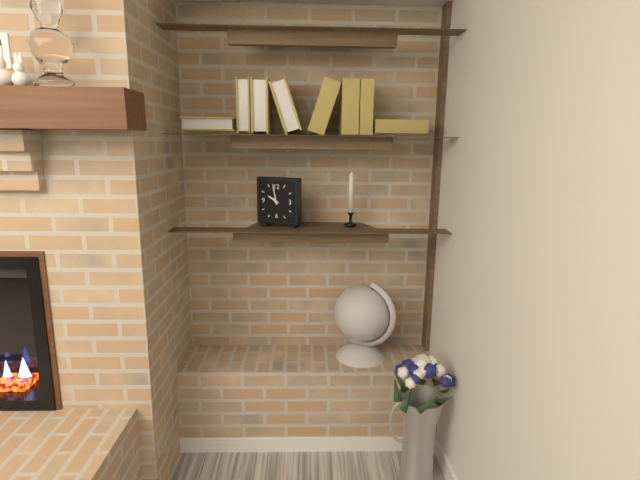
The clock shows 9.58
